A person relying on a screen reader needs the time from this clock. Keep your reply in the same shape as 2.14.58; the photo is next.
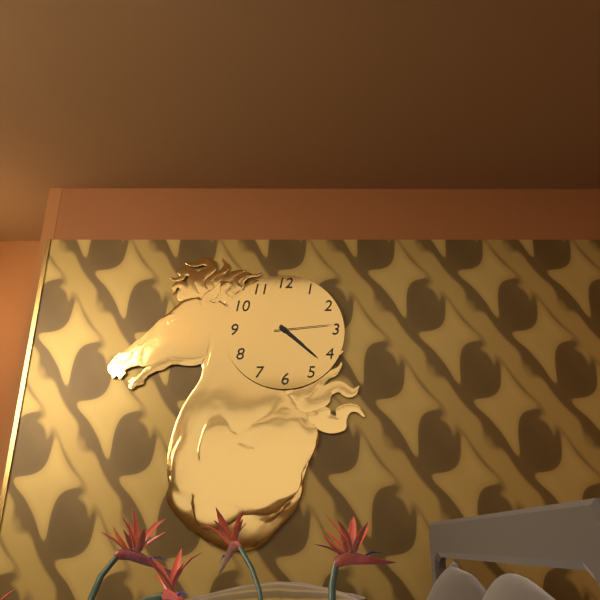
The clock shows 4.22.14
